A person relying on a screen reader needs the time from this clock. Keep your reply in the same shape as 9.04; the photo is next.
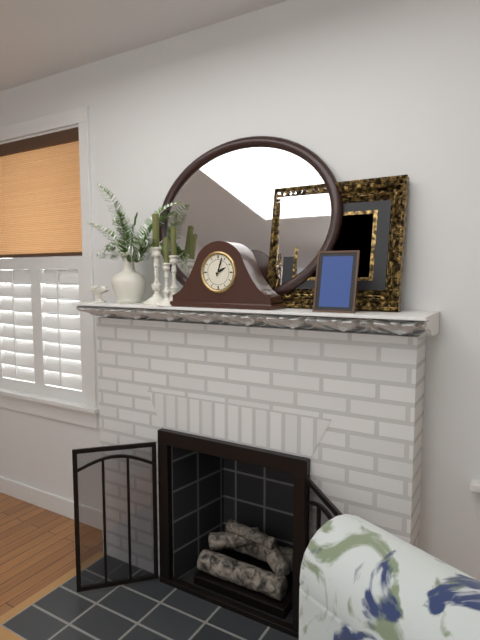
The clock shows 2.03
